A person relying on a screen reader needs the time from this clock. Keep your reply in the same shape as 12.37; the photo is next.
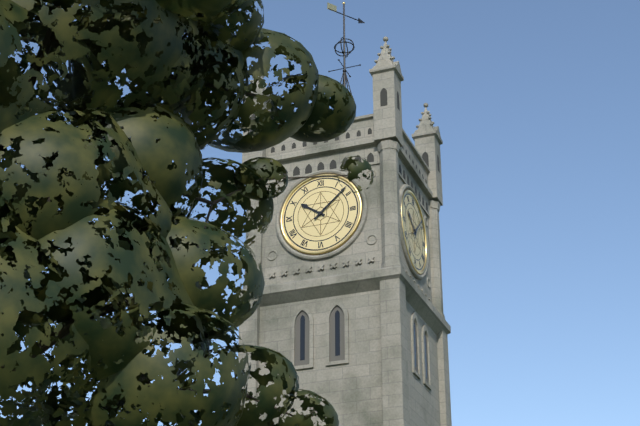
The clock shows 10.08
